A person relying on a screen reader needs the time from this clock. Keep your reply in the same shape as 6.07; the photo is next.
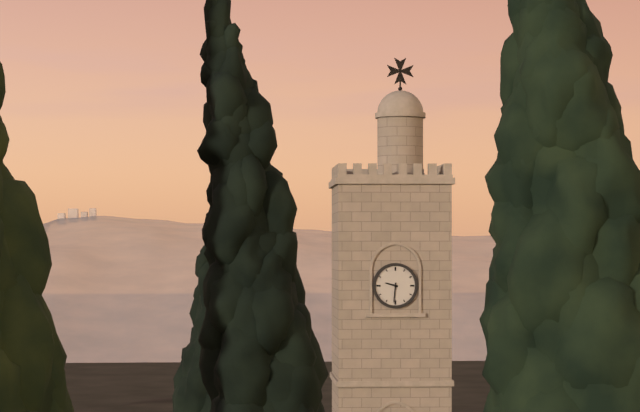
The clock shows 9.31
